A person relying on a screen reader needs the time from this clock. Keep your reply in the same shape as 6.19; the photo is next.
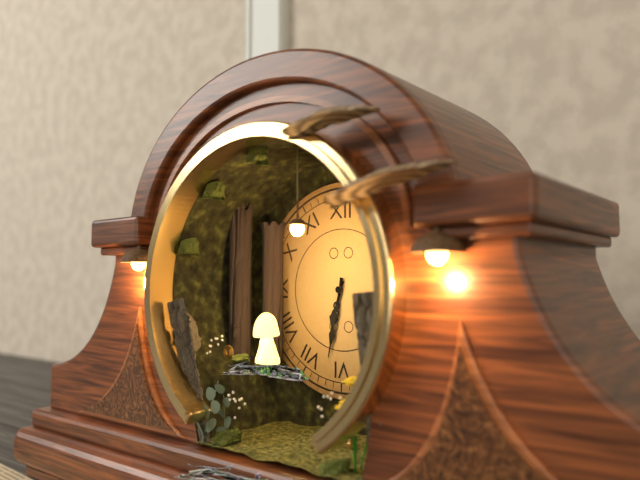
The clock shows 6.32
